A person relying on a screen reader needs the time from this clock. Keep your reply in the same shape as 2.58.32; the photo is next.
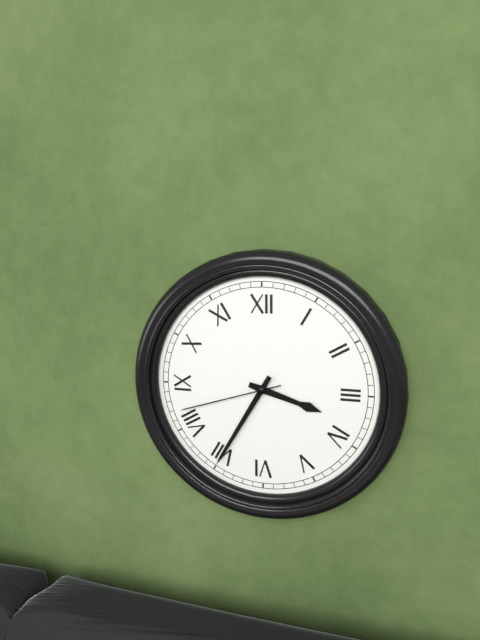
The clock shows 3.35.42
